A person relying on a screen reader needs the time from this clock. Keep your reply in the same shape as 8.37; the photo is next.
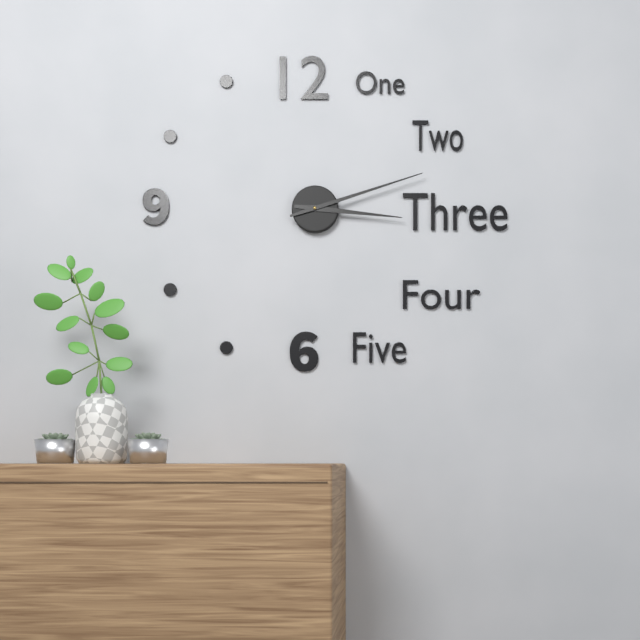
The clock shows 3.12
